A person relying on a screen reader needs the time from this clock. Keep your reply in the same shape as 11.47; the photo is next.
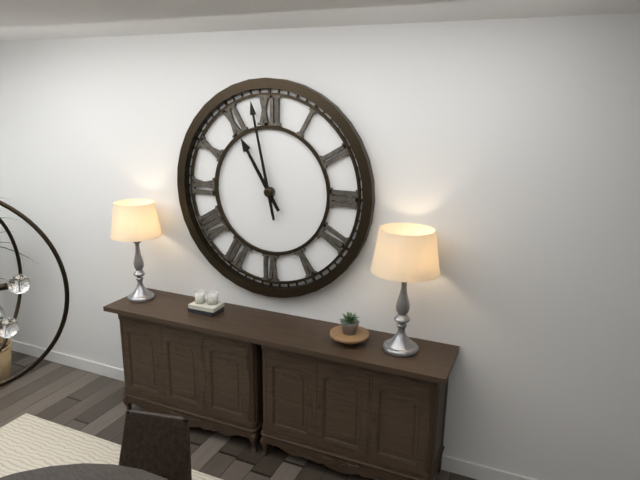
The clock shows 10.58
